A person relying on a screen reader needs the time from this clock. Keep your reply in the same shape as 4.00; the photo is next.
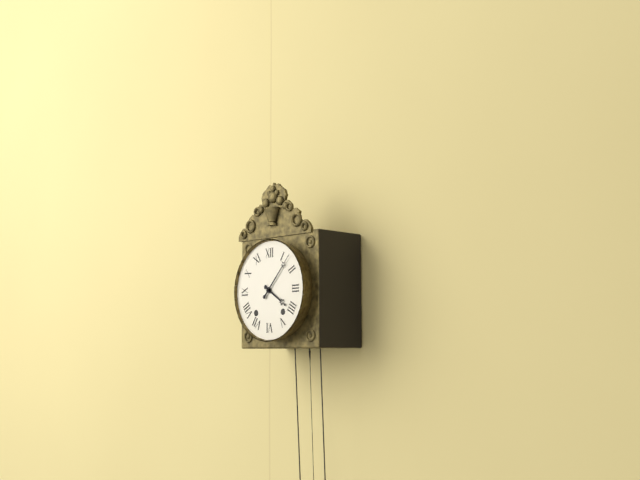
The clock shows 4.07
